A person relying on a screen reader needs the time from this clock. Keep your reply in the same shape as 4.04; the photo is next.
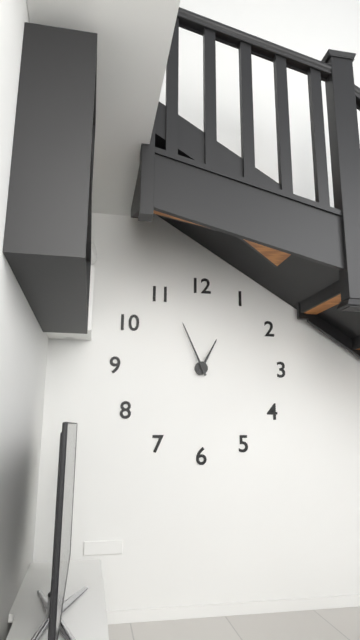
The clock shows 12.56
